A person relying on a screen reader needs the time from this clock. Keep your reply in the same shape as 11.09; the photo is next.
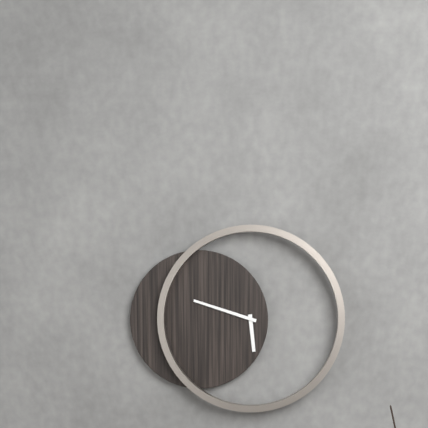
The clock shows 5.48
